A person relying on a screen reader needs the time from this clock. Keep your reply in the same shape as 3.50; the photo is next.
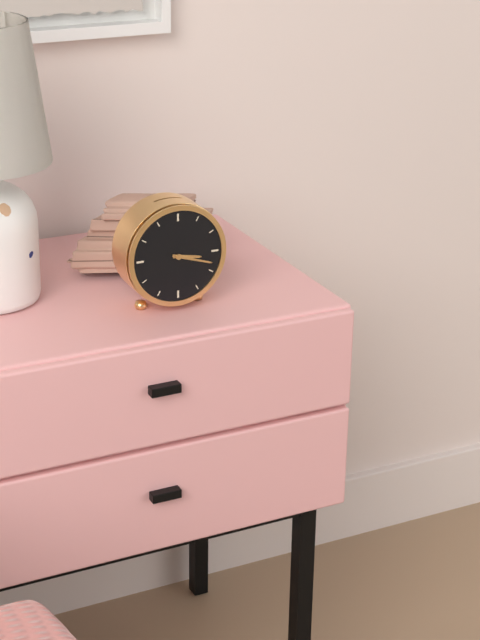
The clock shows 3.18
